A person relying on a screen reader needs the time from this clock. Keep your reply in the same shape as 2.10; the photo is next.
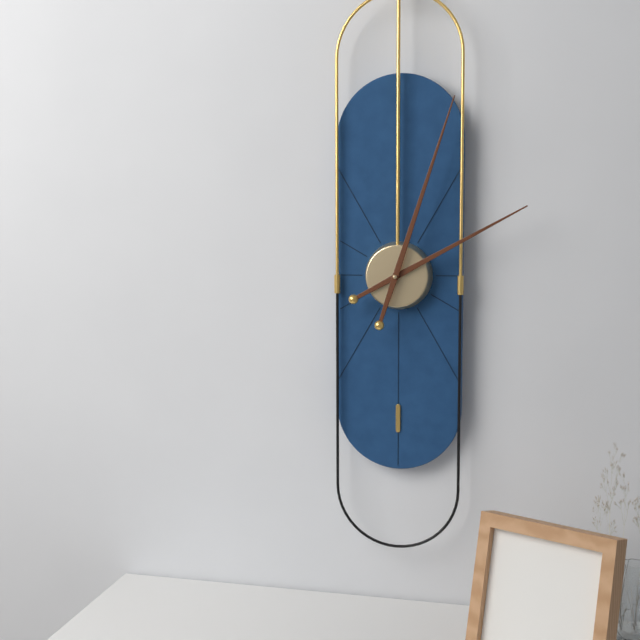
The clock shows 2.03
